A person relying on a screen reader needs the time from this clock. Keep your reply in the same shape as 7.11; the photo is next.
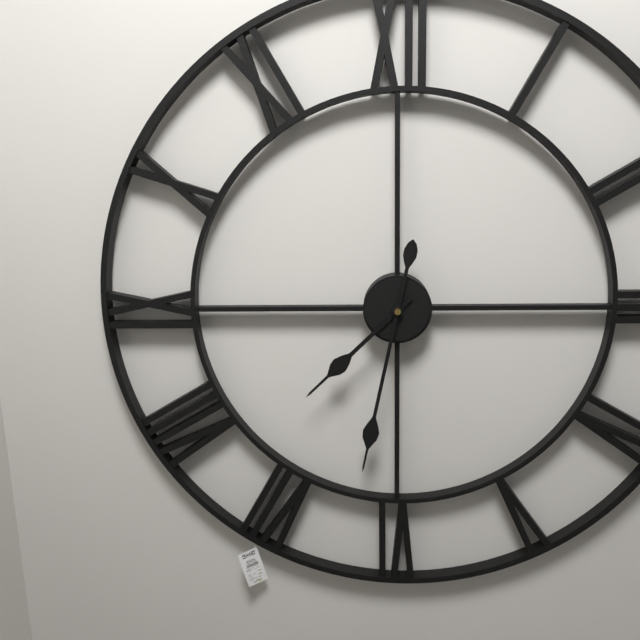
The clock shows 7.32
